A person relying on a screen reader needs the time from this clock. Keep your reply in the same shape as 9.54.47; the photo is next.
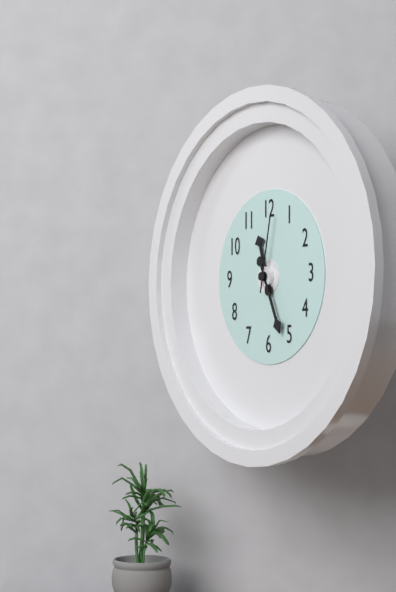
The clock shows 11.26.02
